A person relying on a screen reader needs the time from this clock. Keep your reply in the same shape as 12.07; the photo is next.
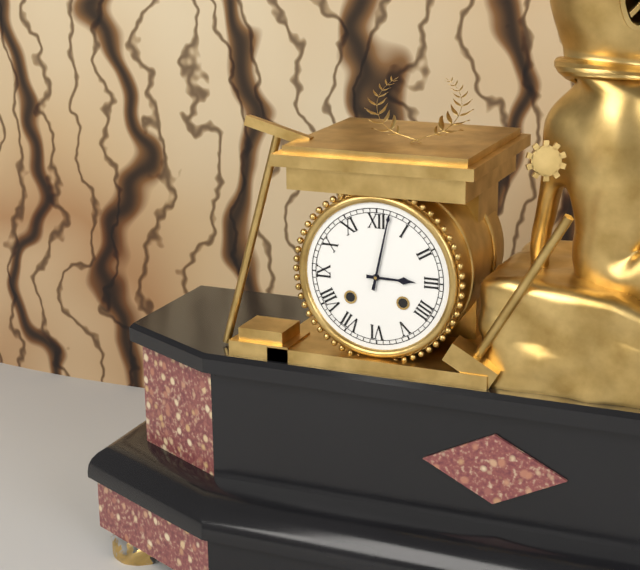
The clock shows 3.02
